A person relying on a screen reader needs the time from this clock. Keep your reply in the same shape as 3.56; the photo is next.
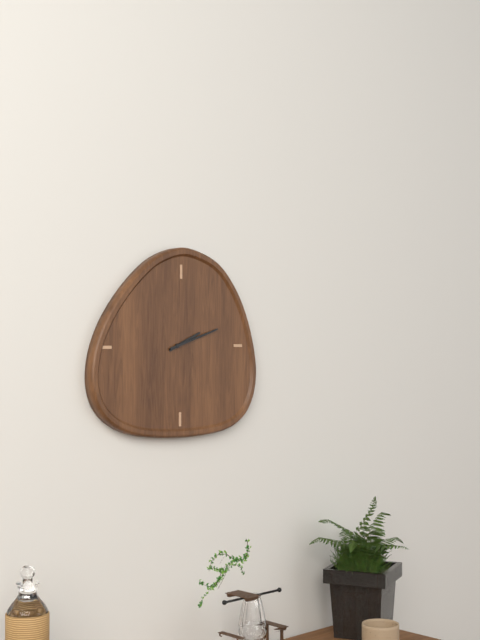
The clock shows 2.12
